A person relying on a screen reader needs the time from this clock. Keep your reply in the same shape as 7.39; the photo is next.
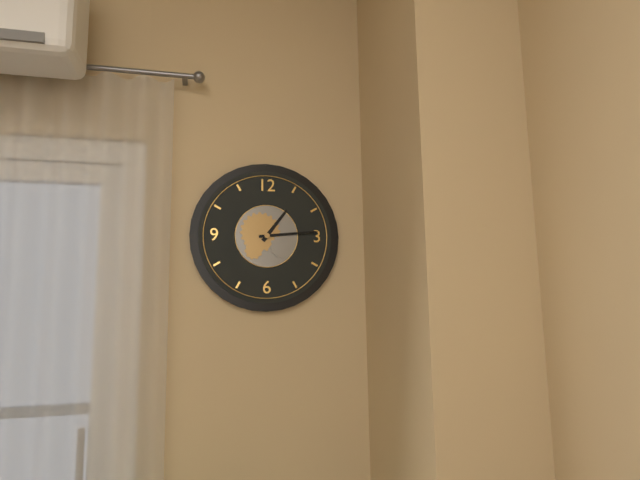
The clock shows 1.14
